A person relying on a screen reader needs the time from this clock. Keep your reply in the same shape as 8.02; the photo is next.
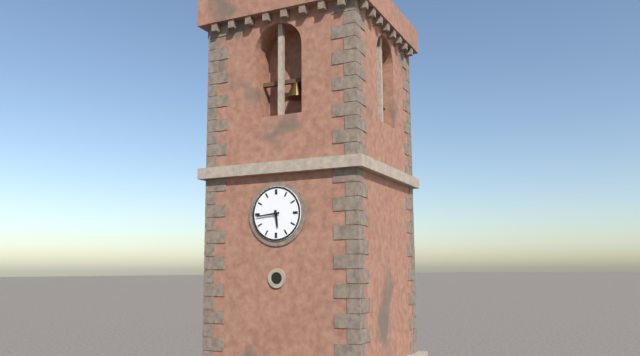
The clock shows 5.44
